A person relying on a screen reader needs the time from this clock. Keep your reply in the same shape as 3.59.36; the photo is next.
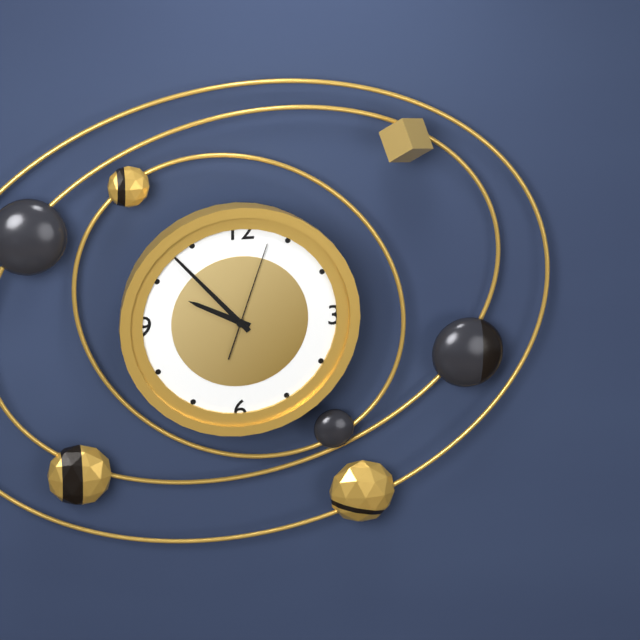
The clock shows 9.53.03
